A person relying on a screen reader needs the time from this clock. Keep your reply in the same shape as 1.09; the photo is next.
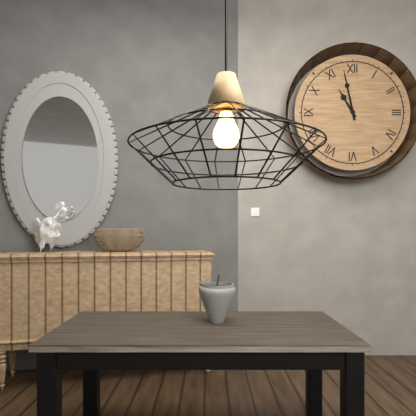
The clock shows 10.58
